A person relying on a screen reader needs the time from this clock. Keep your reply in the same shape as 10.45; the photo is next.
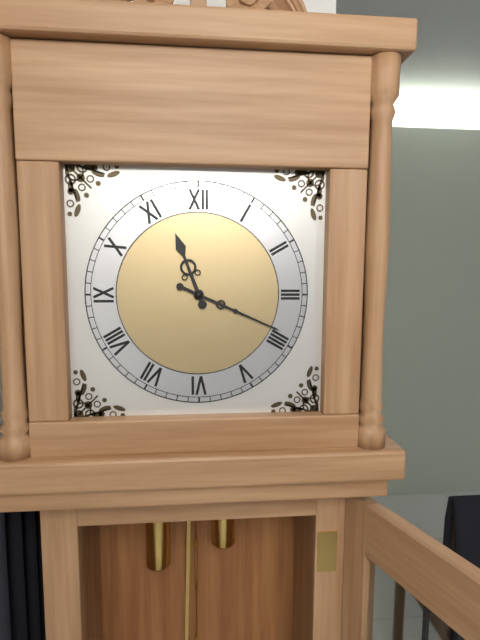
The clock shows 11.19
